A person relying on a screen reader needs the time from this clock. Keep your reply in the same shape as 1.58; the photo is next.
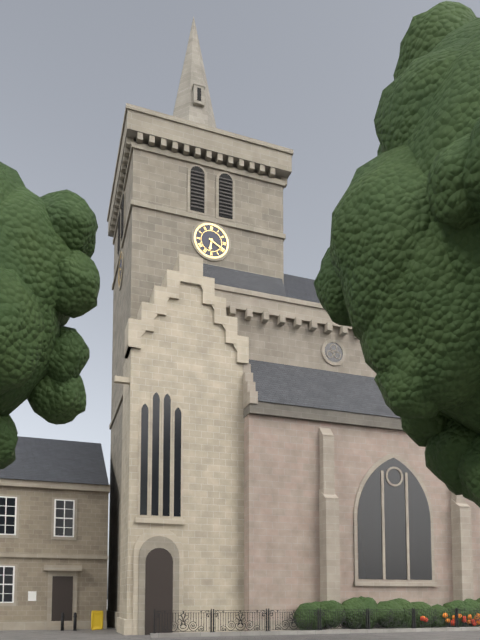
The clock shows 6.20
